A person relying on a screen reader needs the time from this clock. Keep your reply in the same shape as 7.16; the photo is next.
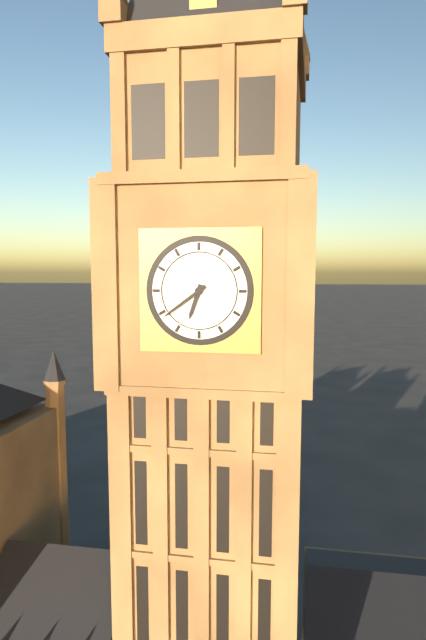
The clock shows 6.39
